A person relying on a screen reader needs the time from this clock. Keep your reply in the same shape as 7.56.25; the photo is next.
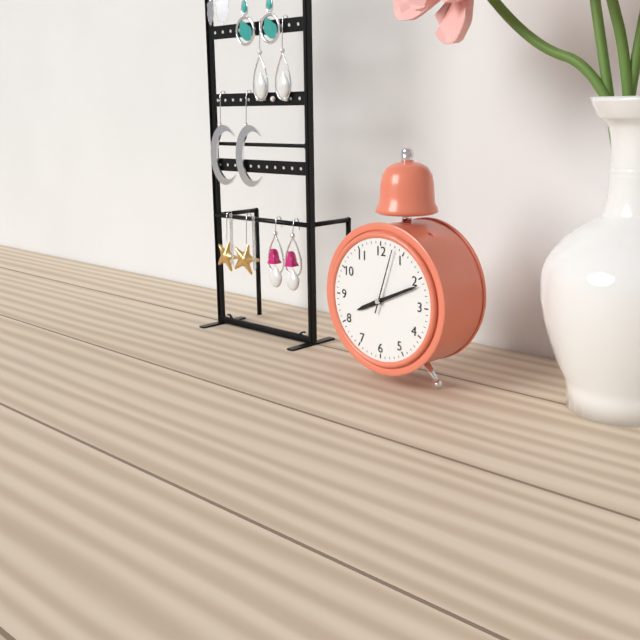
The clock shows 8.11.03
